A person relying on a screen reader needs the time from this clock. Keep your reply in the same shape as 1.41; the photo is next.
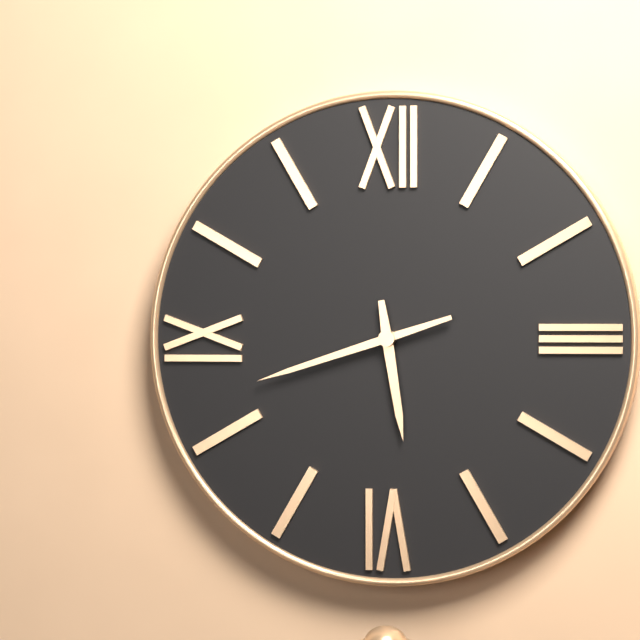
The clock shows 5.42
